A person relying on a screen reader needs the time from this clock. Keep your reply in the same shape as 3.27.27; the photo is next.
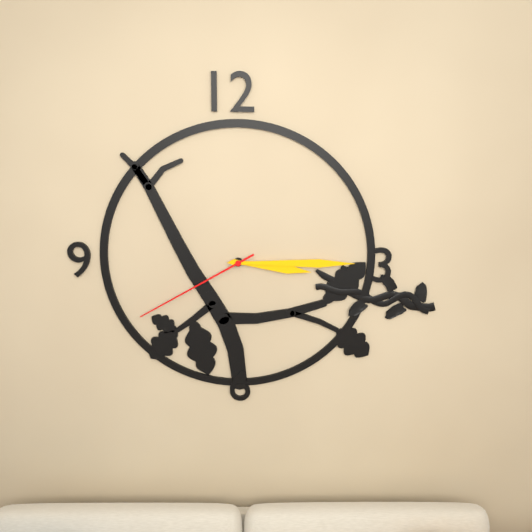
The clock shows 3.15.40
